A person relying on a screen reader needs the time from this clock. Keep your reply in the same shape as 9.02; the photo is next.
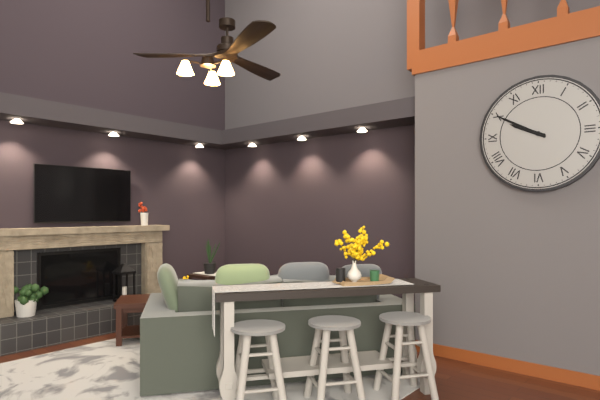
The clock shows 9.50
